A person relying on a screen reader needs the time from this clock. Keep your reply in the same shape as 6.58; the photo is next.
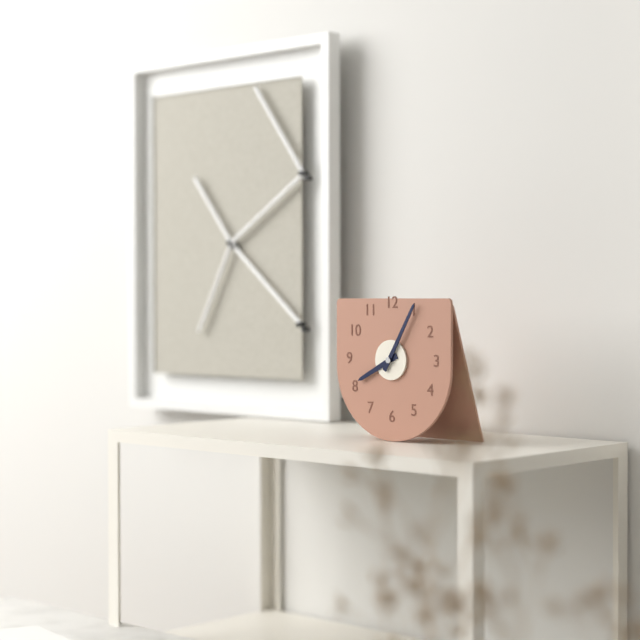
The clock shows 8.05
